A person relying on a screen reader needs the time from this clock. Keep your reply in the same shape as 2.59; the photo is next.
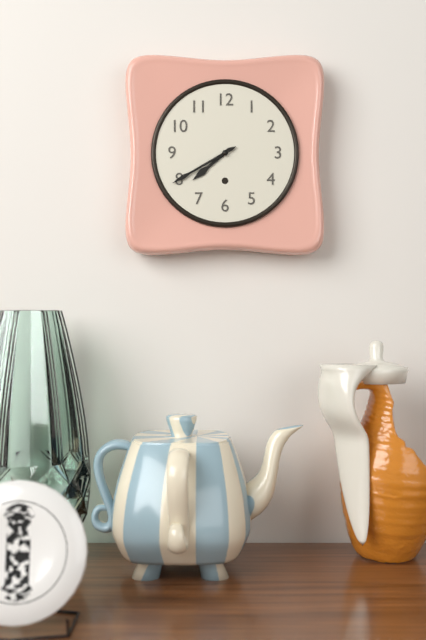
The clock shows 7.40
